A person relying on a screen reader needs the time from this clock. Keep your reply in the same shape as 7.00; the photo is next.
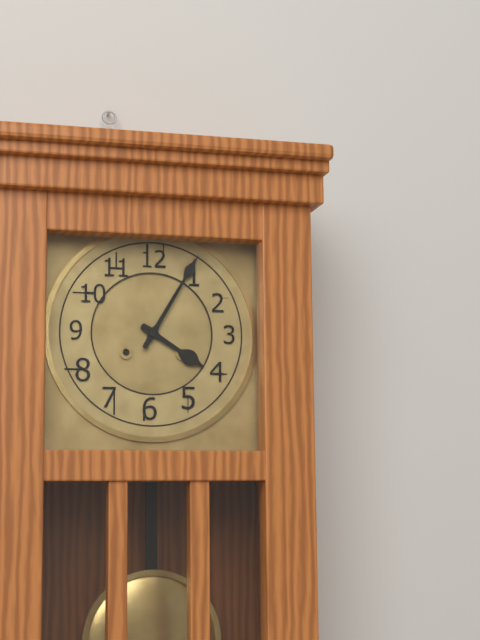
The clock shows 4.05
